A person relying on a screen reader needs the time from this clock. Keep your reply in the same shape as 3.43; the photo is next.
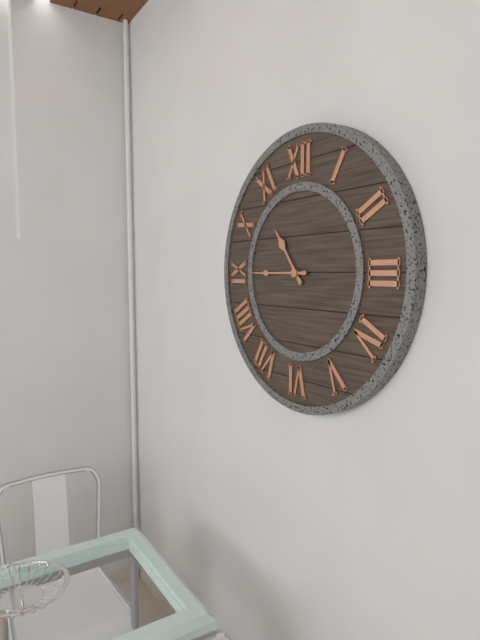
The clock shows 10.45
